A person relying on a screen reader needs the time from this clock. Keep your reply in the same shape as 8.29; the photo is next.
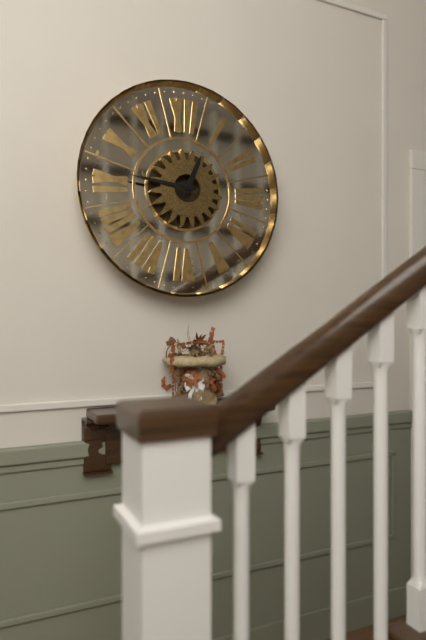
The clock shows 12.46
